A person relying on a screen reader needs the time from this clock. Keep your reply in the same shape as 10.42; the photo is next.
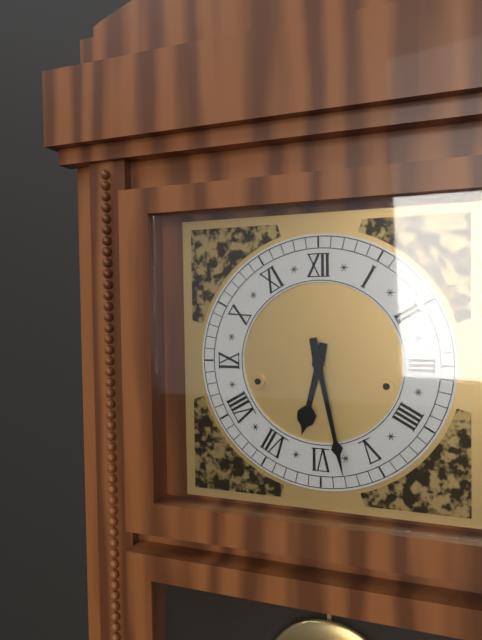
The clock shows 6.28
